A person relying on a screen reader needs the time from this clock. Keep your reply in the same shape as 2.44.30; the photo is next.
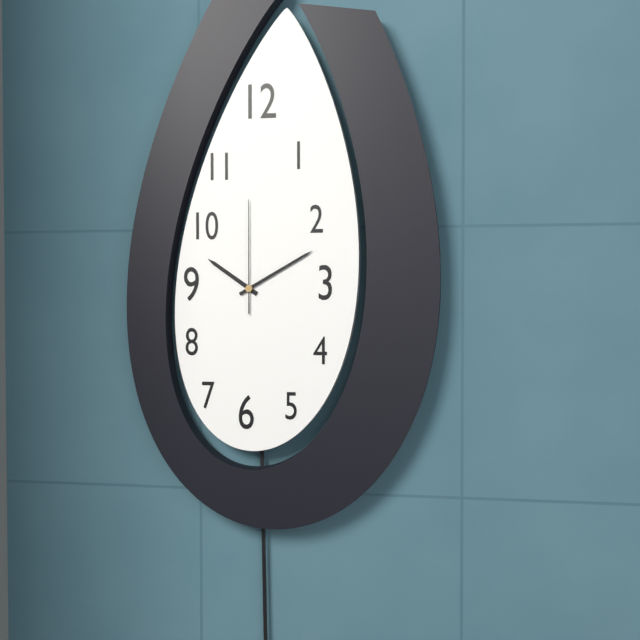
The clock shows 10.10.00
